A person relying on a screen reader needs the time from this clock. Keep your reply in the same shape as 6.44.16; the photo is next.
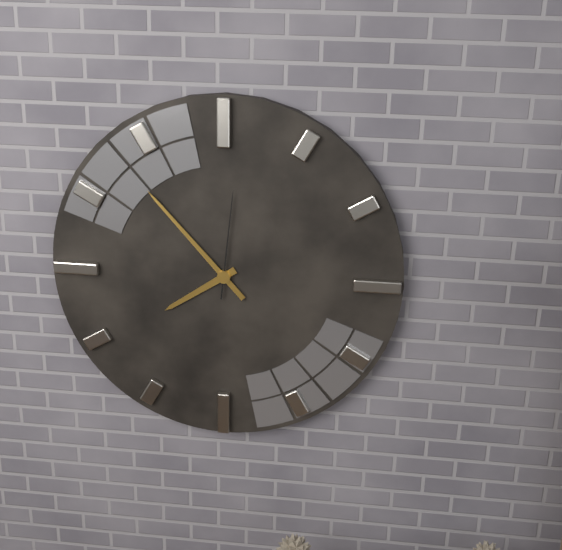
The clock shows 7.53.01
